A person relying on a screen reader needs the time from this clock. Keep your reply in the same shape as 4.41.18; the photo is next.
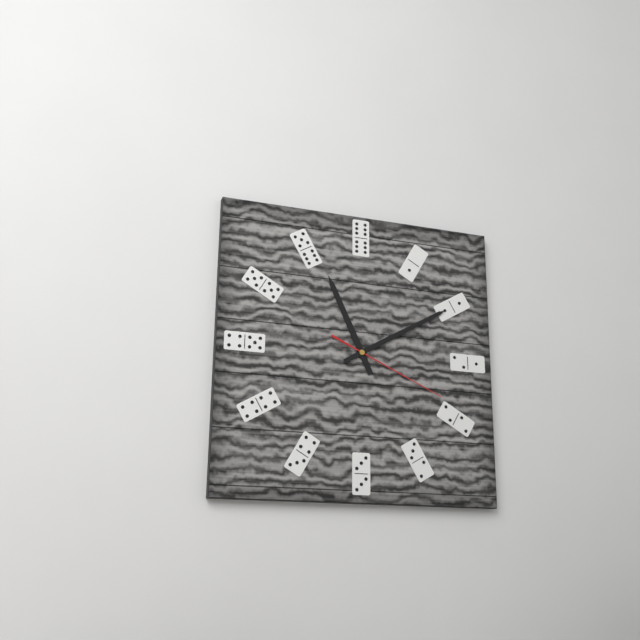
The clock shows 11.10.19
